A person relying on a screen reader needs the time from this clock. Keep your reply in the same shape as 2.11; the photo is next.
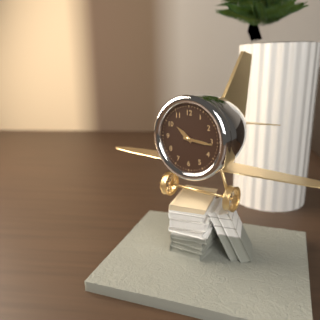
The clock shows 10.16
